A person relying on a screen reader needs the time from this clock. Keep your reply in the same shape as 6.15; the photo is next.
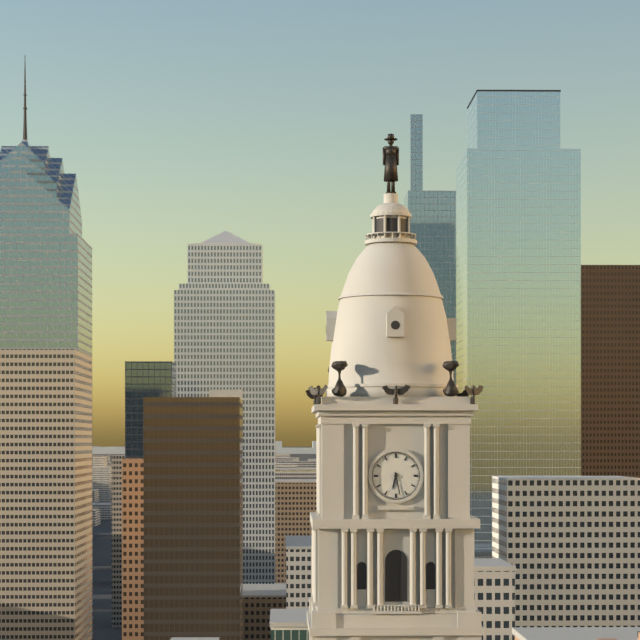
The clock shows 6.28
